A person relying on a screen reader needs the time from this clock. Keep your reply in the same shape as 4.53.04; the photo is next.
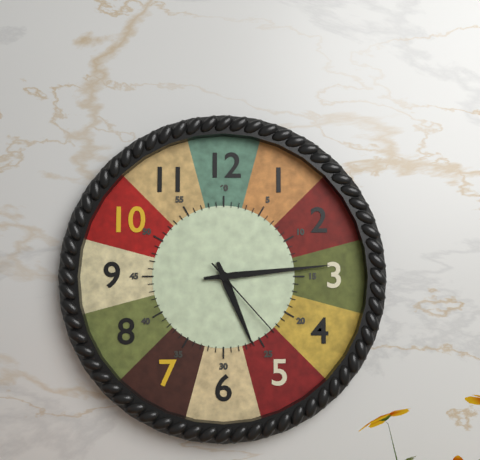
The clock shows 5.14.23
